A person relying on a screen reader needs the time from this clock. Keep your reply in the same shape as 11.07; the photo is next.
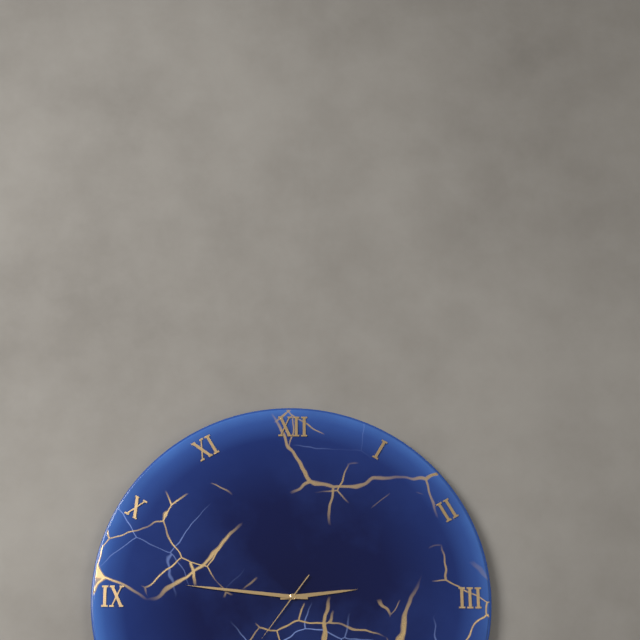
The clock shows 2.46
